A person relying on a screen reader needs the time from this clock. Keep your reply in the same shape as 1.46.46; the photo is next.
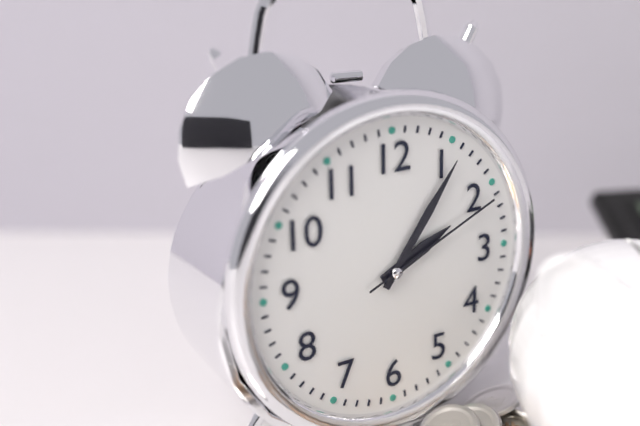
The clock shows 2.06.11
